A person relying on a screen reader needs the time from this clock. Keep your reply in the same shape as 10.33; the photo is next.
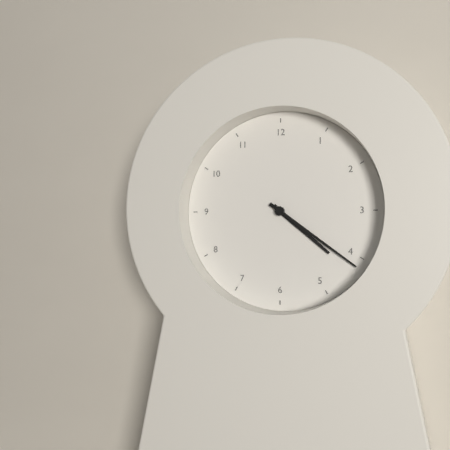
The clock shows 4.21
